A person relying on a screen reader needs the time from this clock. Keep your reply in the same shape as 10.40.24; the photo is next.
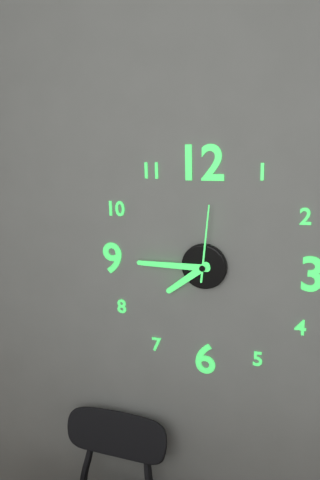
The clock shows 7.45.01
